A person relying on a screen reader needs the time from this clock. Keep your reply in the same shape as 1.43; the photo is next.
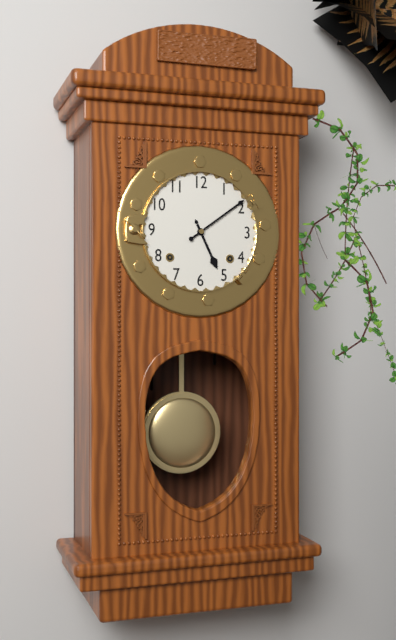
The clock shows 5.09
